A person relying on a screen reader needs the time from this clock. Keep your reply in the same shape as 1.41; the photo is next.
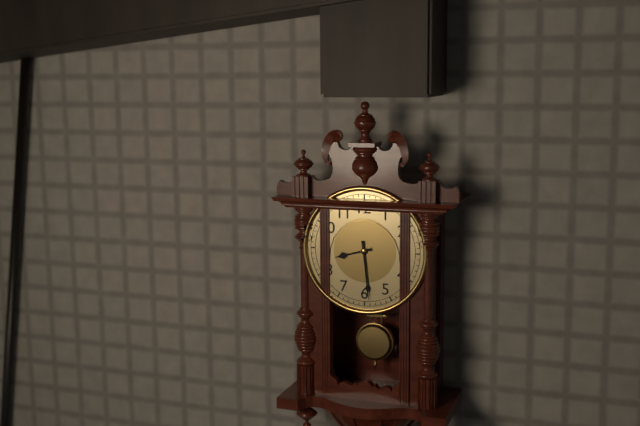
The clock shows 8.29
